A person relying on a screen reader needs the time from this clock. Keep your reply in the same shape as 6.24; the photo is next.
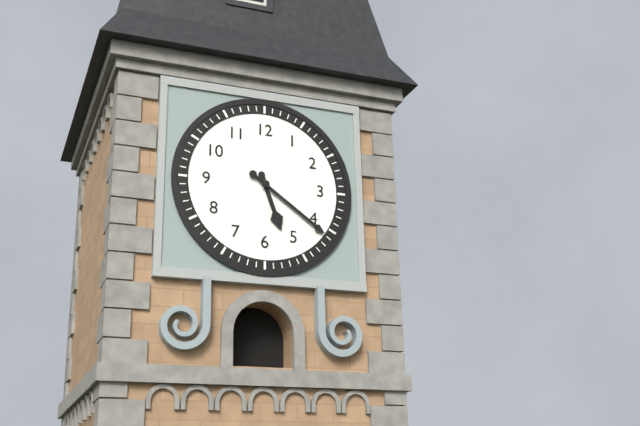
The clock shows 5.21
